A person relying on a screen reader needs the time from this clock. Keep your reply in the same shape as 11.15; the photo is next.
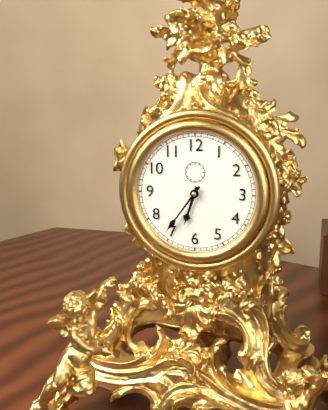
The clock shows 6.36
